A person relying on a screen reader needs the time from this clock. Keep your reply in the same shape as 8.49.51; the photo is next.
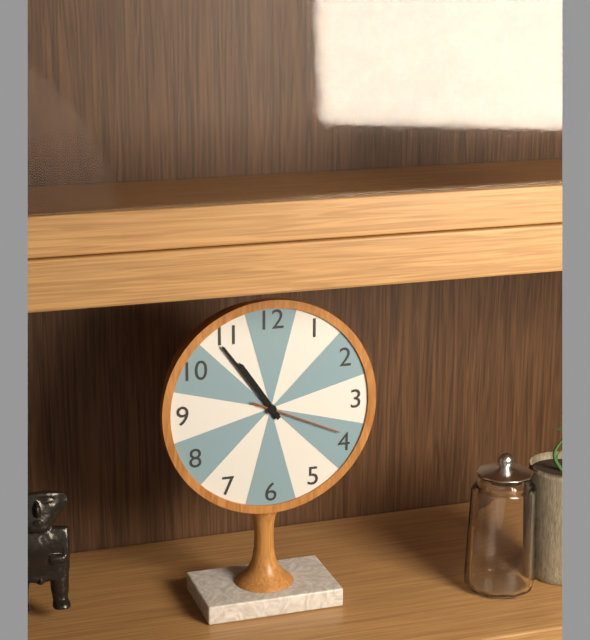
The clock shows 10.54.19
